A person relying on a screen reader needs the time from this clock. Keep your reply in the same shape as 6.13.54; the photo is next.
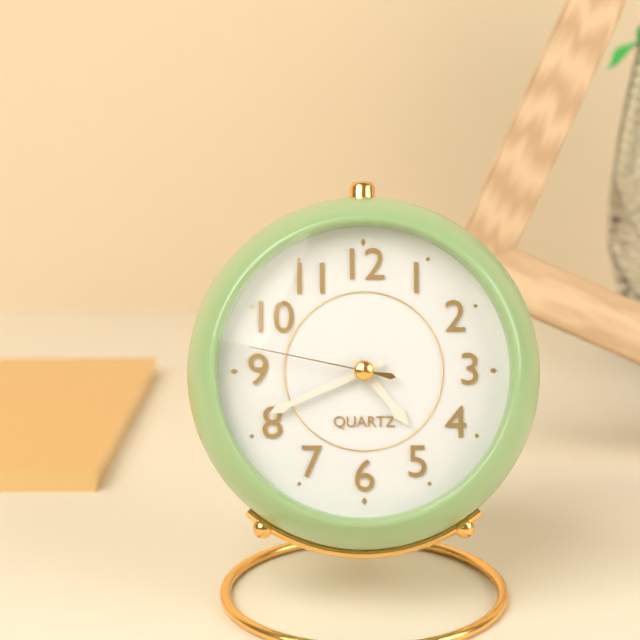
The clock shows 4.41.47
